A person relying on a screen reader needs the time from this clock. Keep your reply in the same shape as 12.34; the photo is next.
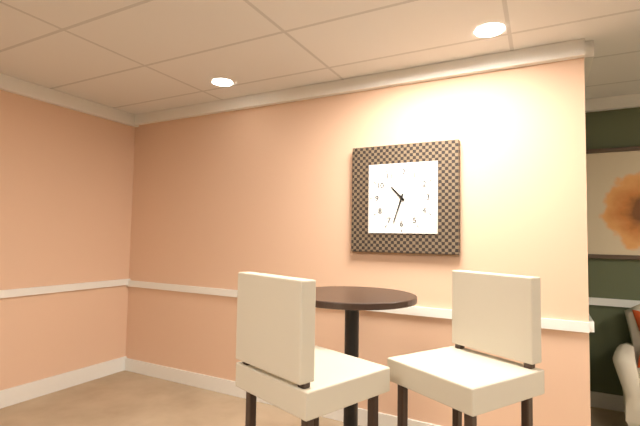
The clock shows 10.33
